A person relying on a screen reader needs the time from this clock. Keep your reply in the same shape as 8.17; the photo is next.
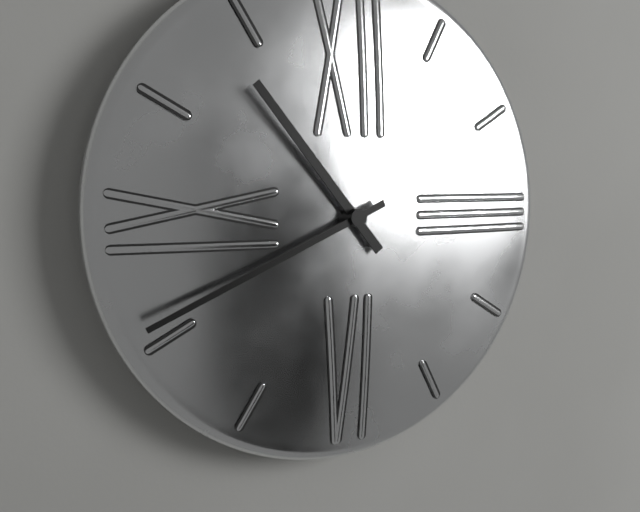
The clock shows 10.41
